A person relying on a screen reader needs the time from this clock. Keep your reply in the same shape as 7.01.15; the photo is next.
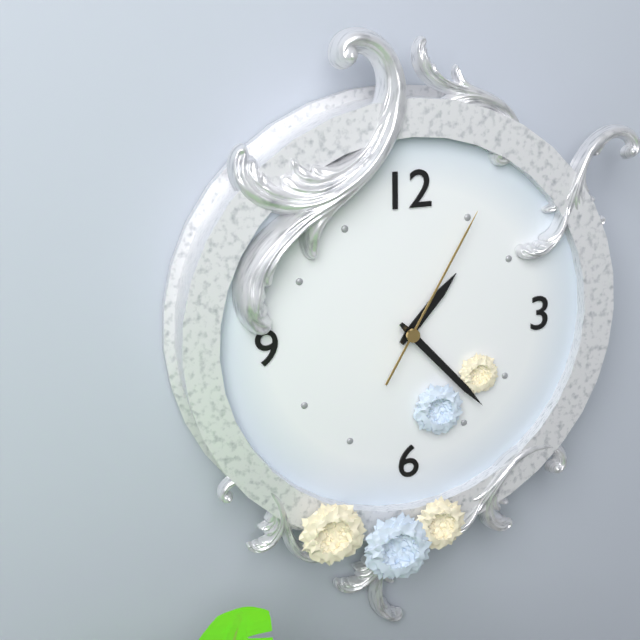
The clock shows 1.23.05
